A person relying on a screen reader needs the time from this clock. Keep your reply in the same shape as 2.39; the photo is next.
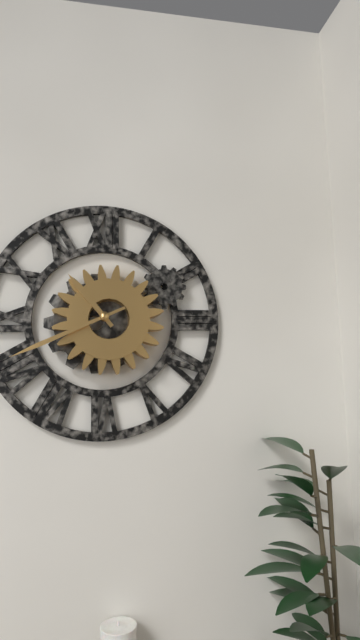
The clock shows 10.41
